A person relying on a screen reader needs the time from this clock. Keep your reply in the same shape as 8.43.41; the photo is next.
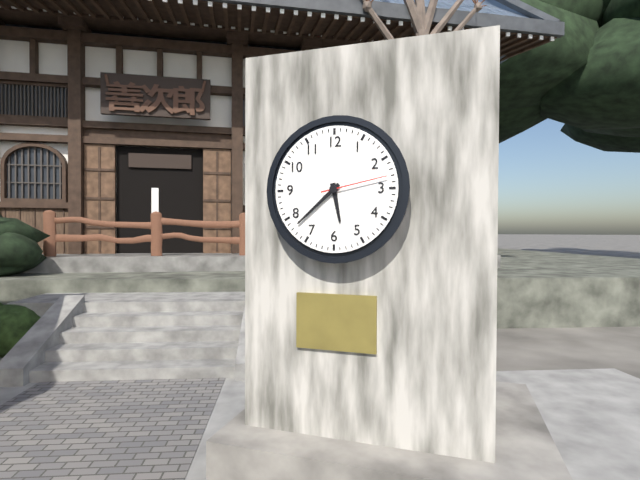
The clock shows 5.38.13
